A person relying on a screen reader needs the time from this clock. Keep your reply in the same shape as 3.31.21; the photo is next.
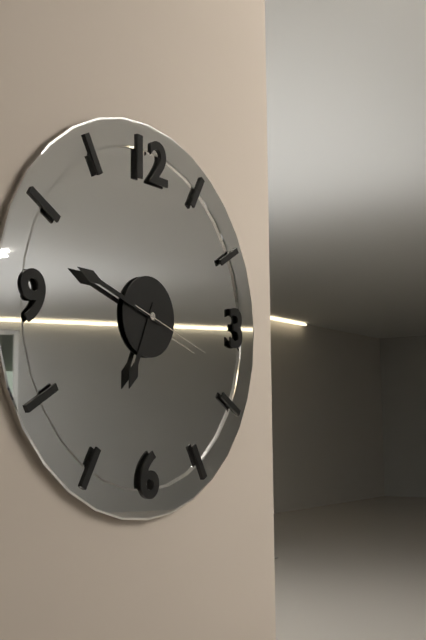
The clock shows 6.48.18
